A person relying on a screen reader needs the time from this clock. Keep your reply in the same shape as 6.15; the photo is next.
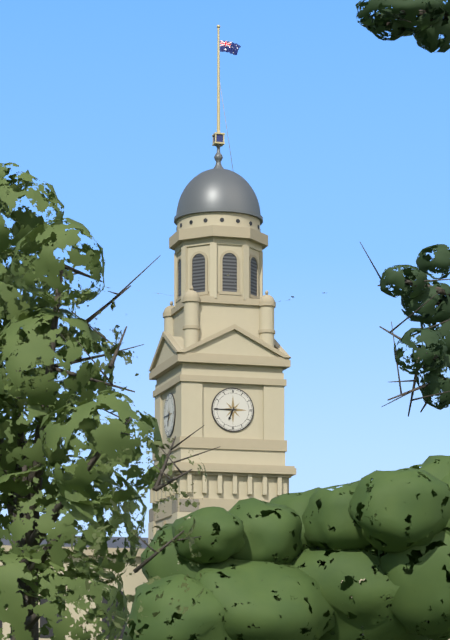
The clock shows 6.45
